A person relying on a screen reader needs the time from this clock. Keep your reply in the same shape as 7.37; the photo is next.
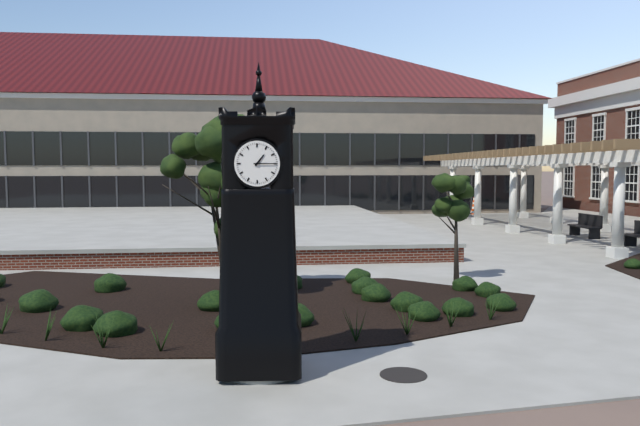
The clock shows 1.15
